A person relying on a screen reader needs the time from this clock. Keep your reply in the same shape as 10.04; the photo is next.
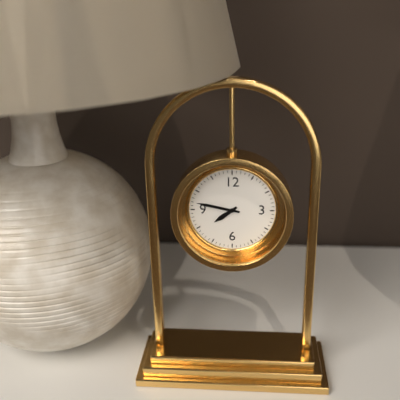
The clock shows 7.47
